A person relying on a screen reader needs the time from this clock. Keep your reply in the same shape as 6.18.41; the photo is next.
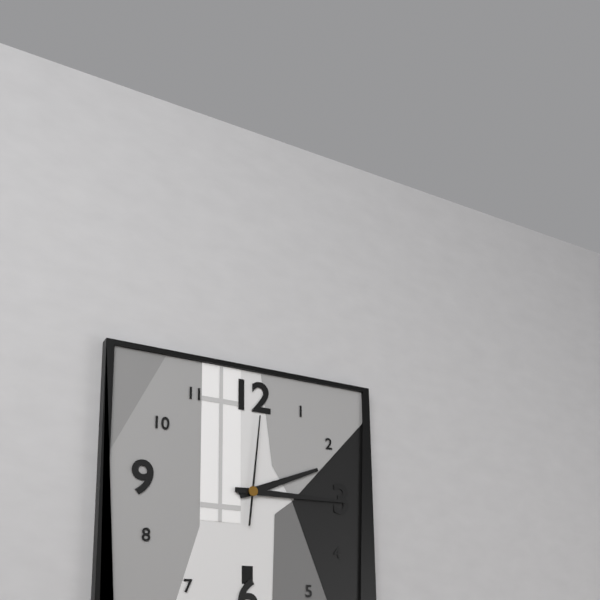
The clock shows 2.15.01
